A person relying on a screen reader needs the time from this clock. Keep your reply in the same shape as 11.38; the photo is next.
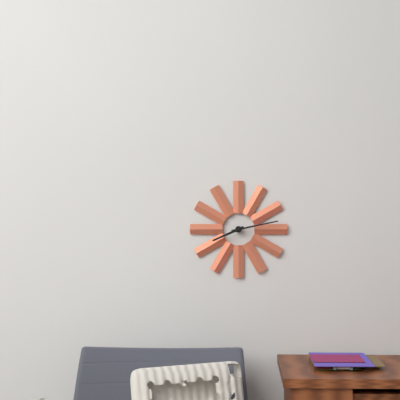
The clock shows 8.13
